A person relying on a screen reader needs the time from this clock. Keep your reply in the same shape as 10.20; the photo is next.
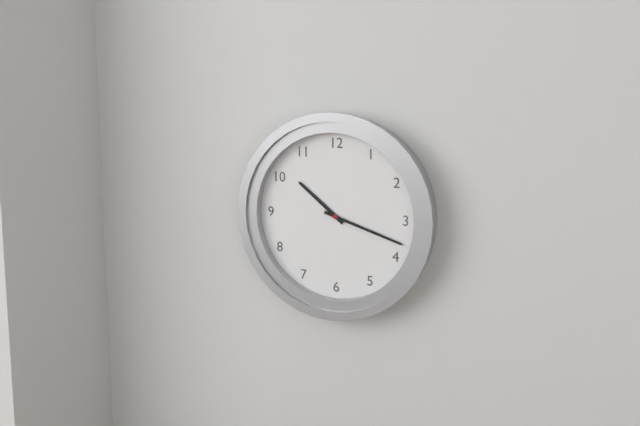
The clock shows 10.18
